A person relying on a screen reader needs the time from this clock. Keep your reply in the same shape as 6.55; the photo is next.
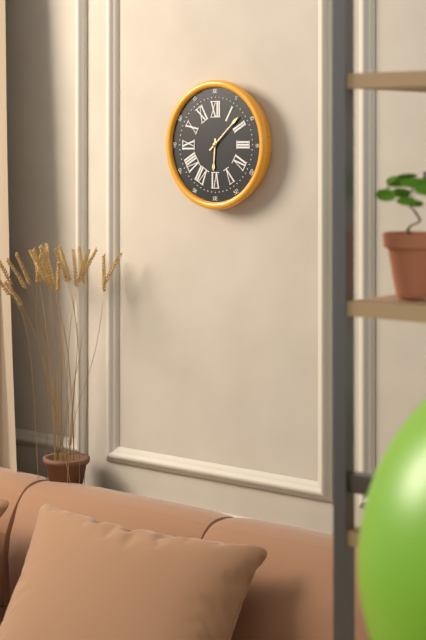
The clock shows 6.08
